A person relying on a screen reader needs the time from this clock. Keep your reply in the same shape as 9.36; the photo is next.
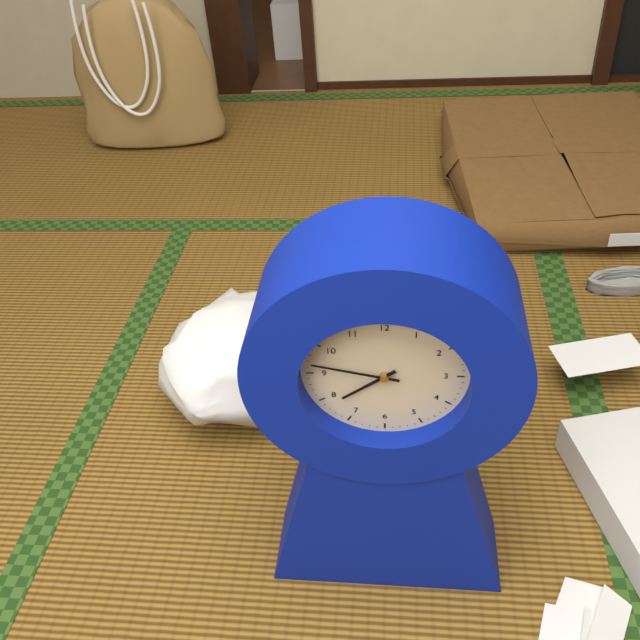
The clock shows 7.47
